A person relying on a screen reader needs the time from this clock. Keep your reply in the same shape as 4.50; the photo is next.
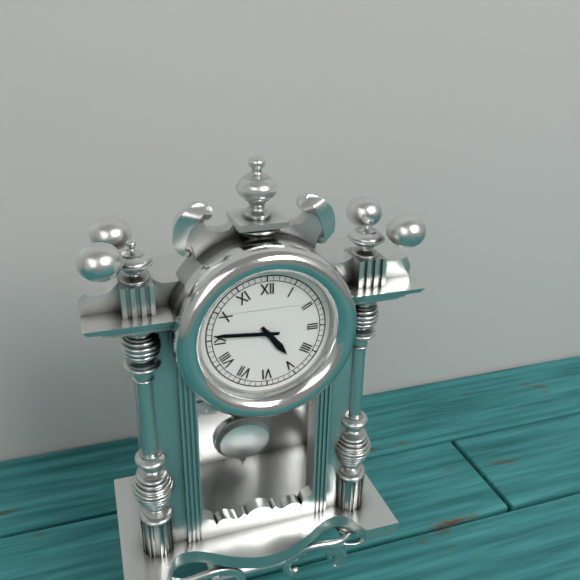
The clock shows 4.46
